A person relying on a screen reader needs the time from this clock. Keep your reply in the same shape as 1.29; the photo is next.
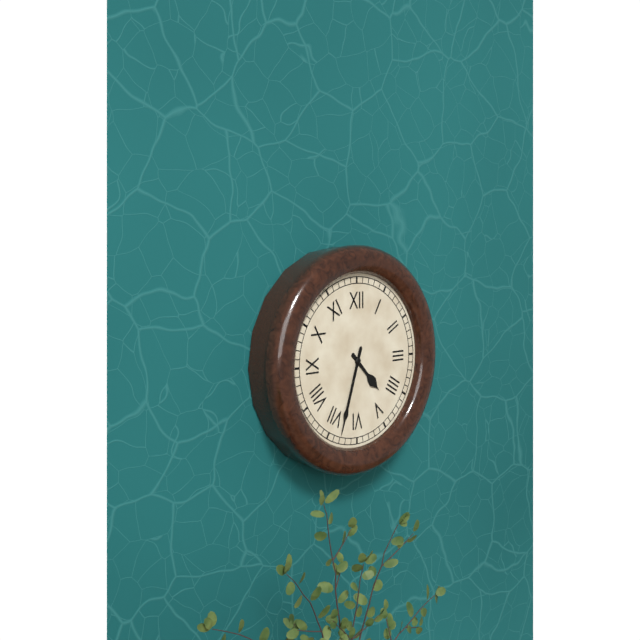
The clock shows 4.33
